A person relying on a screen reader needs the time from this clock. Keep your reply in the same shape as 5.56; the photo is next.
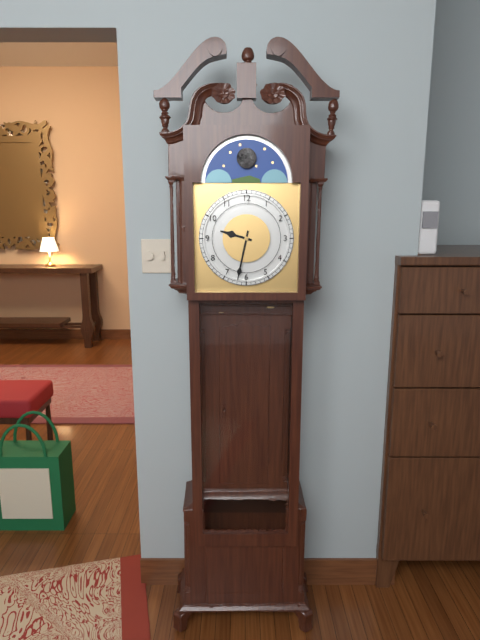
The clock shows 9.32
